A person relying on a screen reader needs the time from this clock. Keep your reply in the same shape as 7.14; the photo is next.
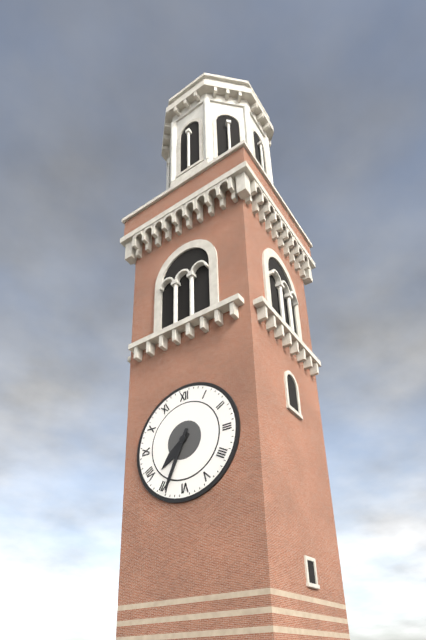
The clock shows 7.34
